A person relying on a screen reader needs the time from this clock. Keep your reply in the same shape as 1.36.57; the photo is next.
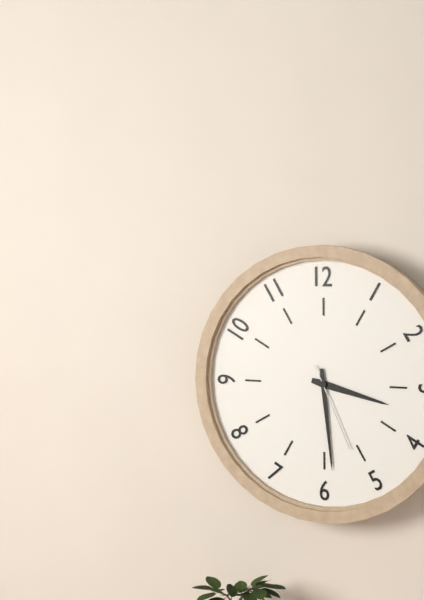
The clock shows 3.29.26
